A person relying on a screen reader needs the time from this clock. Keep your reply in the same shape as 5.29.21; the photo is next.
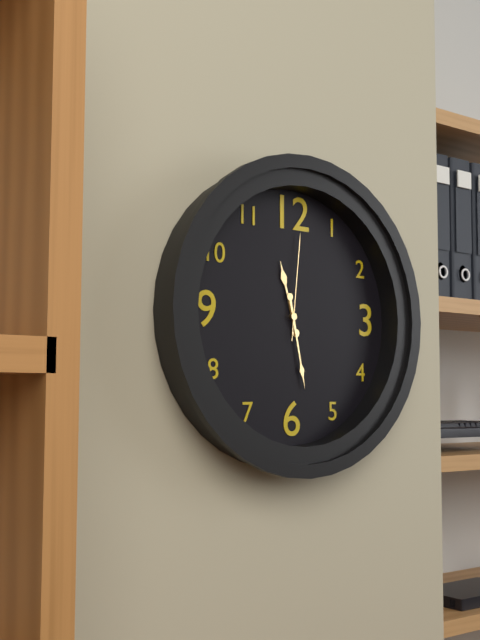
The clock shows 11.28.01
